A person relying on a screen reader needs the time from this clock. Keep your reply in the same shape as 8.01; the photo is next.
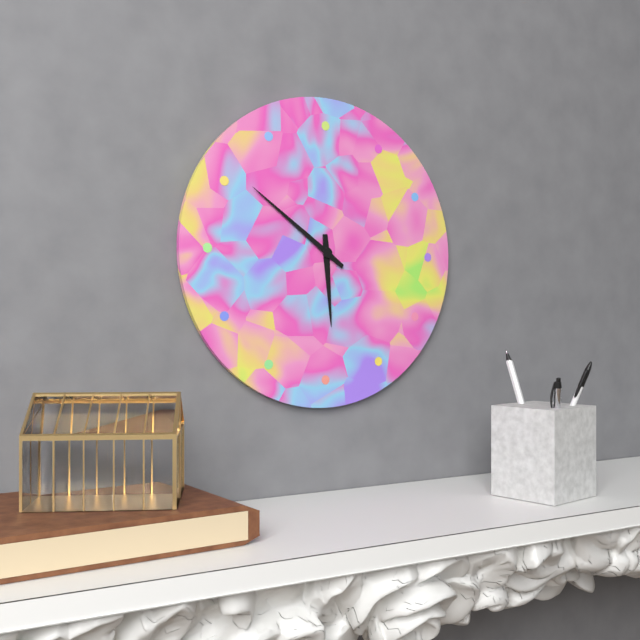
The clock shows 5.51
